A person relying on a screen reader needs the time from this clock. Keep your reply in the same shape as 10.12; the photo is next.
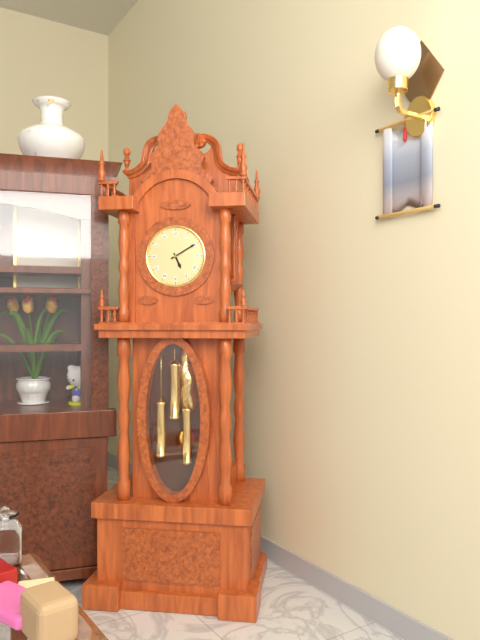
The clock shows 5.10
